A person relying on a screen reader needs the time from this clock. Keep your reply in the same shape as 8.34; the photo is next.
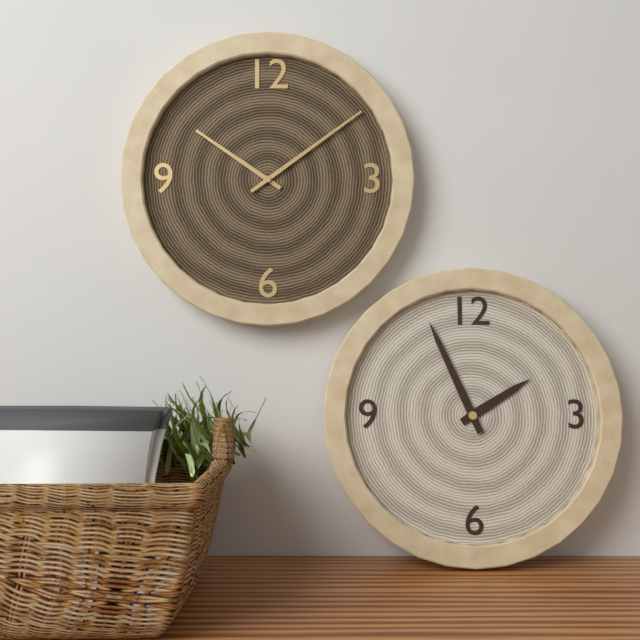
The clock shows 1.56
